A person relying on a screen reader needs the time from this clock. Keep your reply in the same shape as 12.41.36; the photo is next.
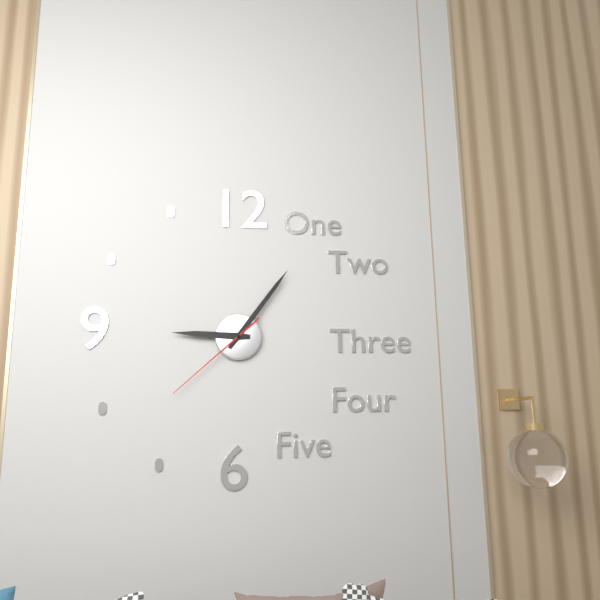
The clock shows 9.06.38
